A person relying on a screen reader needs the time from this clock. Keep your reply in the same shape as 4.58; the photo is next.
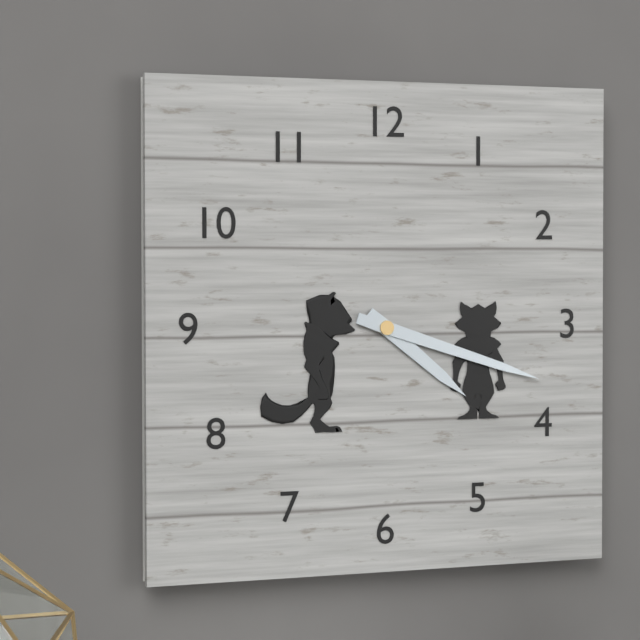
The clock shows 4.18
